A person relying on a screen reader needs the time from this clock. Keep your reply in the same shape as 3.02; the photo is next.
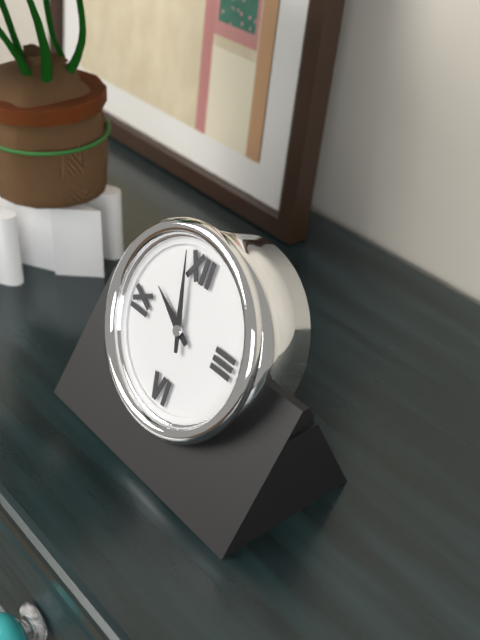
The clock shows 9.57
